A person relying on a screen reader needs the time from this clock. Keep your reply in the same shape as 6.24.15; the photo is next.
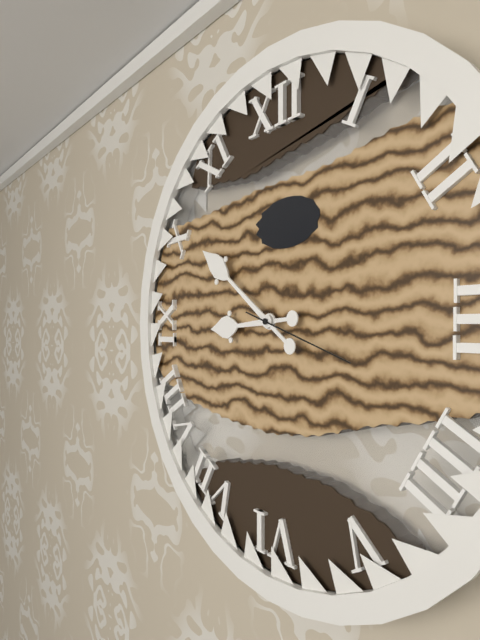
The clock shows 8.51.18
